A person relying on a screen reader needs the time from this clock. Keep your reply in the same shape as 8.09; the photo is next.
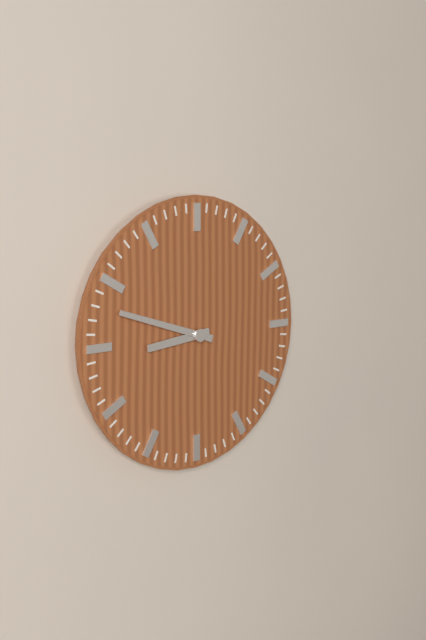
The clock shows 8.48
